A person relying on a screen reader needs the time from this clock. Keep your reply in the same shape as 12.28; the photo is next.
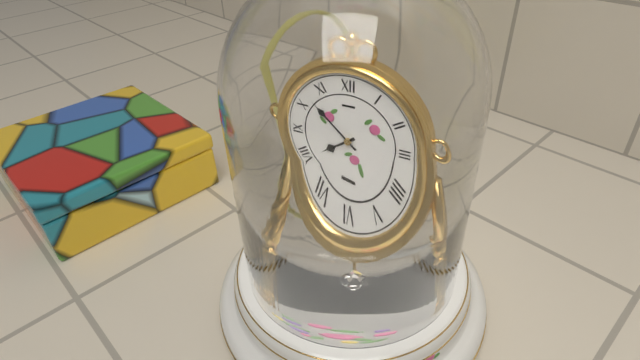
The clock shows 7.52
